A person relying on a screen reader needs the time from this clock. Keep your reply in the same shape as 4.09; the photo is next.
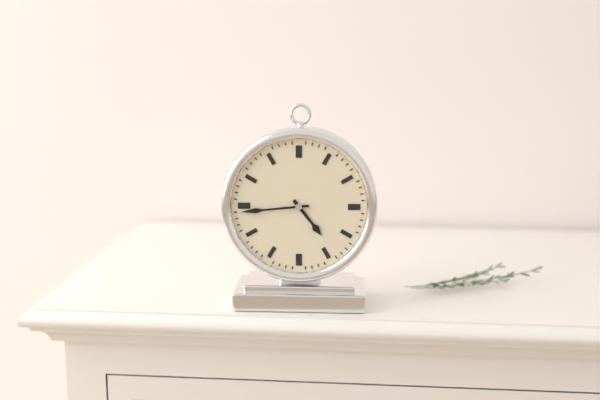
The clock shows 4.44
